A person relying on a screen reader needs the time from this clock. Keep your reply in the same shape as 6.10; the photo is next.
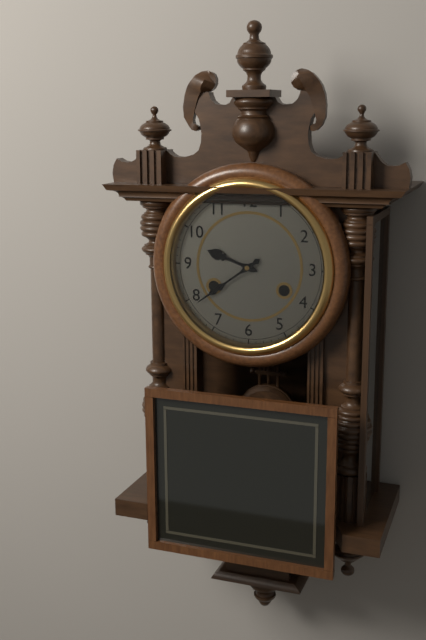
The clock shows 9.39
